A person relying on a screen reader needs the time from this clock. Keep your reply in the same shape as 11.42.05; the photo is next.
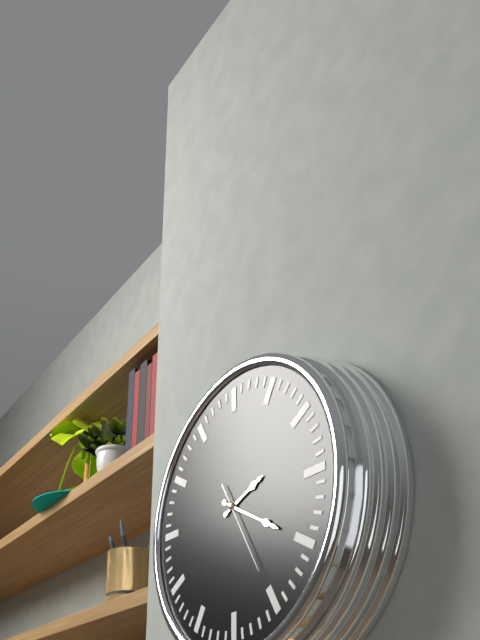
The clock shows 2.20.25
